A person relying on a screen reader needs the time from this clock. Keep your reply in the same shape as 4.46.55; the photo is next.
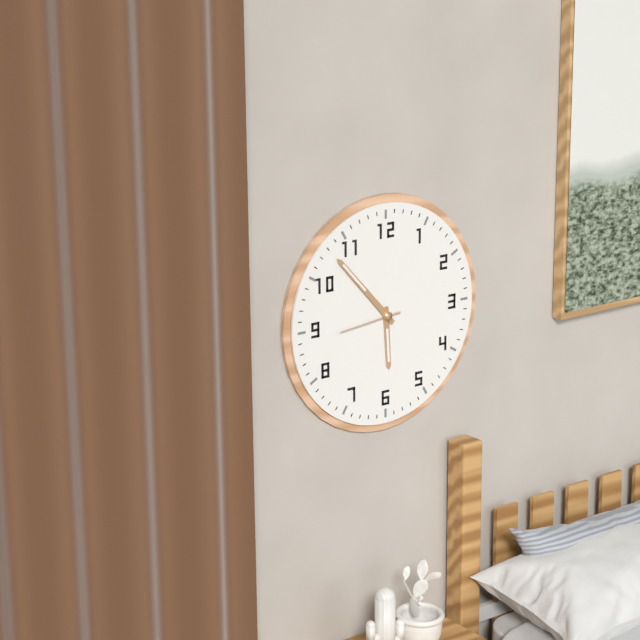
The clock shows 5.53.44
